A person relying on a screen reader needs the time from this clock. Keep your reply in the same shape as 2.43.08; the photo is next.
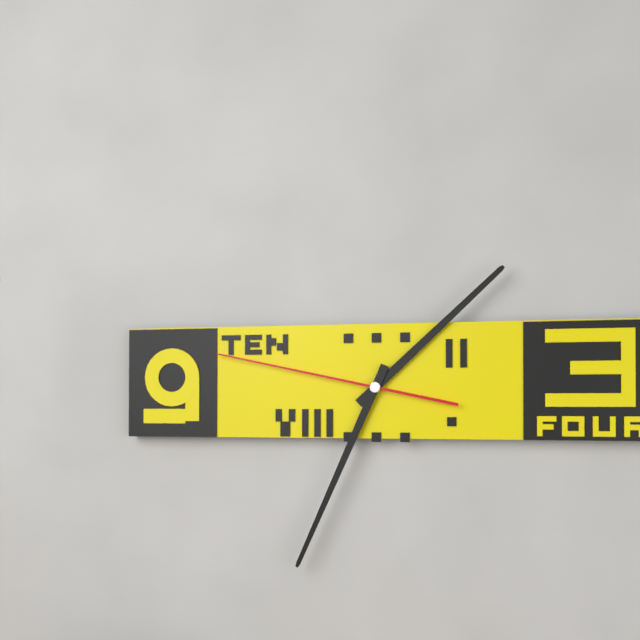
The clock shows 1.34.47
